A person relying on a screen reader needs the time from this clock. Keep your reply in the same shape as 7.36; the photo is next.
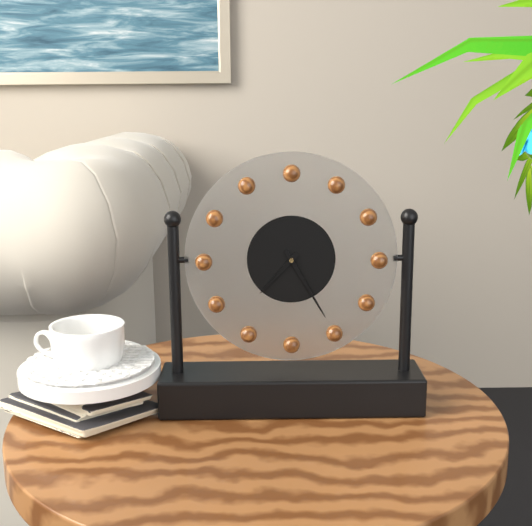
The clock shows 7.25
